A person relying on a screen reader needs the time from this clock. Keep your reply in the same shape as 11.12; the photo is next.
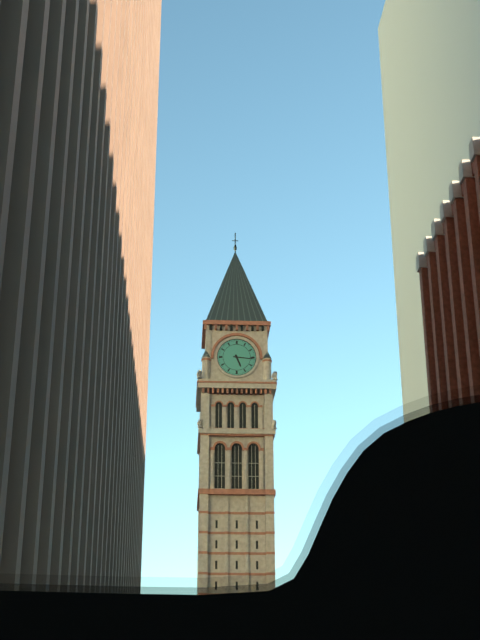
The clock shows 5.16
